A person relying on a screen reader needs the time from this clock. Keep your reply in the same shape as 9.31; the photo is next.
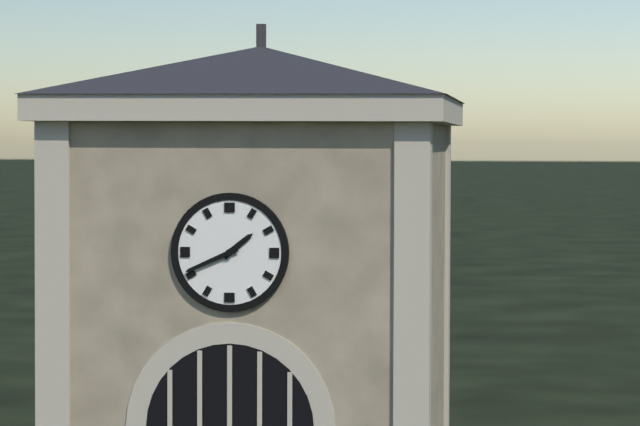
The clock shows 1.41
